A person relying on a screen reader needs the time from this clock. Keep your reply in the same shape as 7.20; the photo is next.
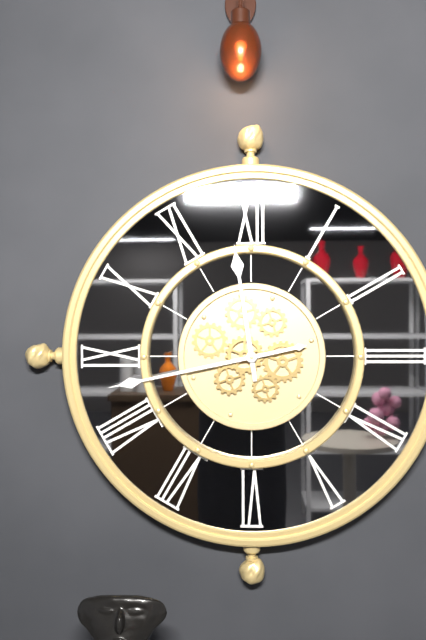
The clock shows 11.43
